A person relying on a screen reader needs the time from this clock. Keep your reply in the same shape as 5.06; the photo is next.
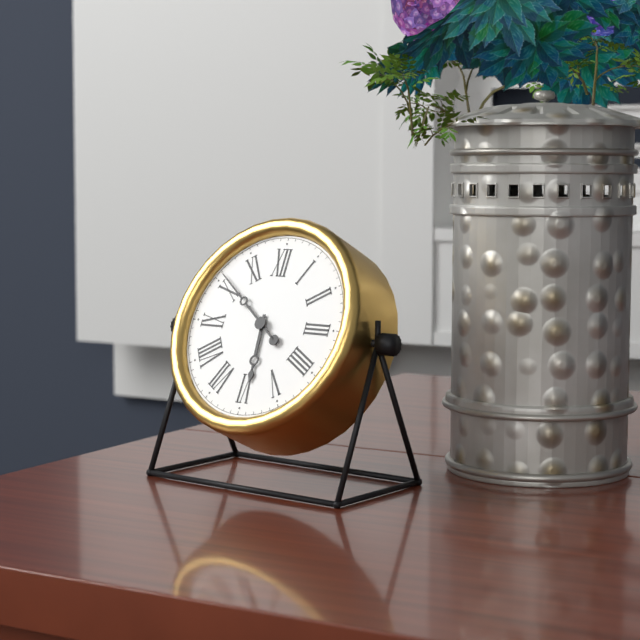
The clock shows 5.51
